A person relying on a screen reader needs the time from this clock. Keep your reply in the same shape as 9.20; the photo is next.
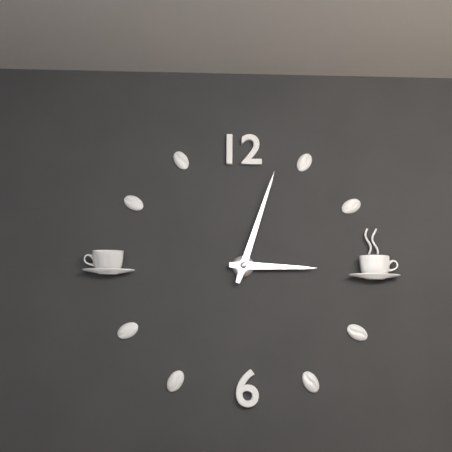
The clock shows 3.03
